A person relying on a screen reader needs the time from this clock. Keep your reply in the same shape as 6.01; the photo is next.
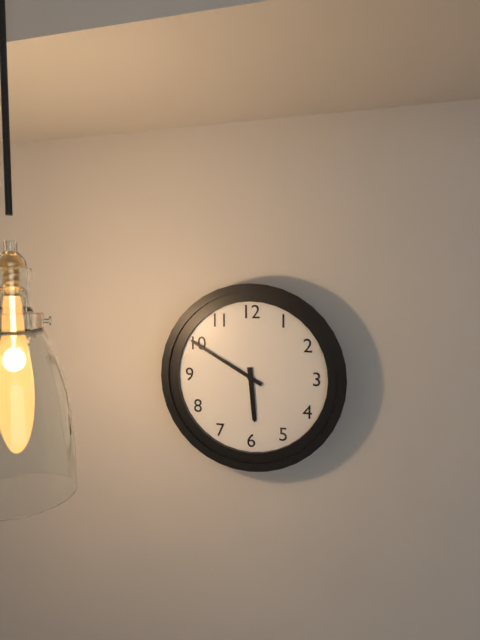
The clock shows 5.50
